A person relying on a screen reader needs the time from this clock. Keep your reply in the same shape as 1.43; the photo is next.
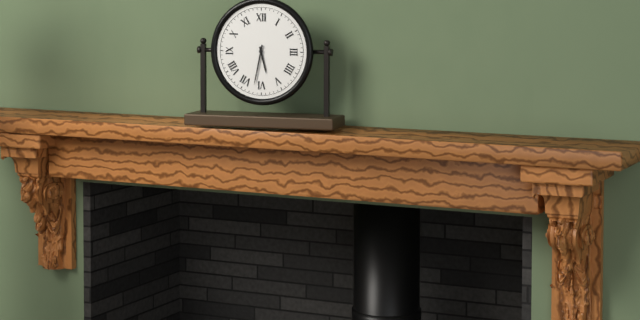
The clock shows 5.32
